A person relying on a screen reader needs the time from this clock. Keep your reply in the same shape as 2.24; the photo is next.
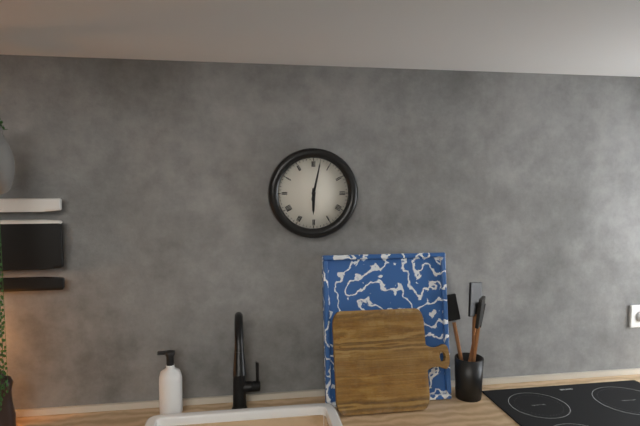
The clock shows 6.02
